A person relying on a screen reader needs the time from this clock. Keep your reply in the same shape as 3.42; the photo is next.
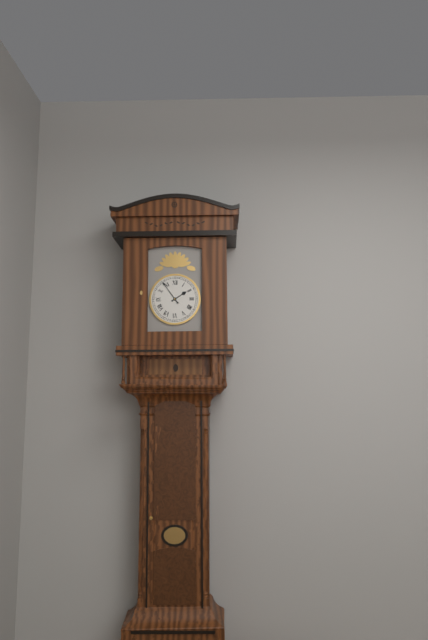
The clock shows 1.54
